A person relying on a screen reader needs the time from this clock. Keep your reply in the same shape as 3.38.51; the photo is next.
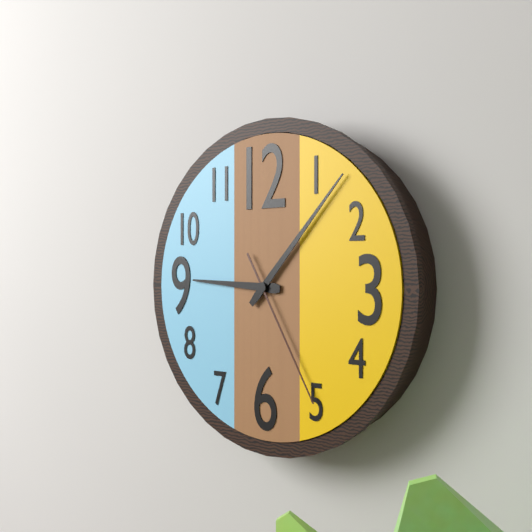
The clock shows 9.07.25
